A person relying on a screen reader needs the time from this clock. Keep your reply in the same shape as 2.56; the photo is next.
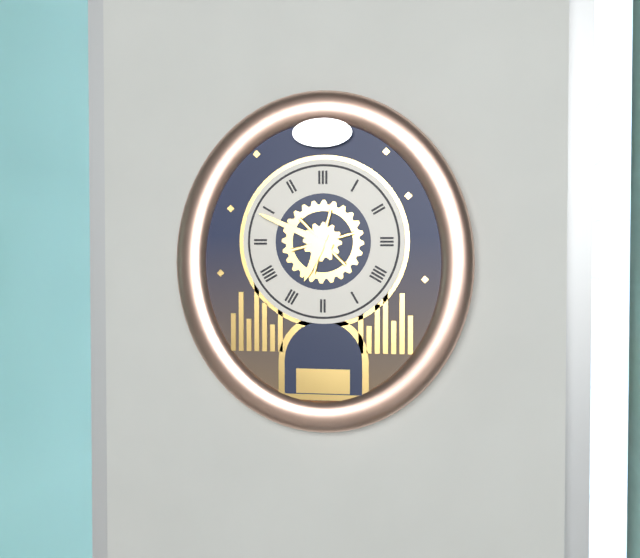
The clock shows 6.49
